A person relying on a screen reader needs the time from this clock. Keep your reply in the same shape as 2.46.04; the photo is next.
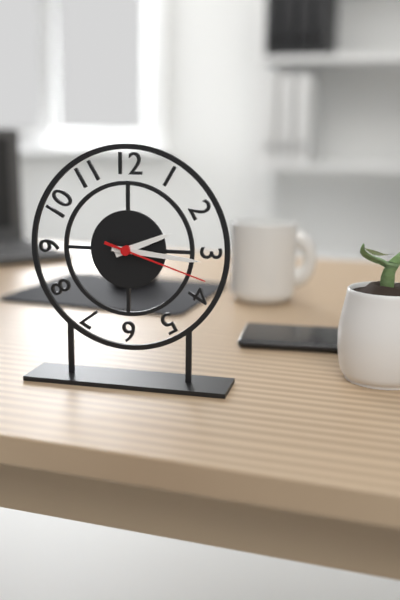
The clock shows 2.16.18
